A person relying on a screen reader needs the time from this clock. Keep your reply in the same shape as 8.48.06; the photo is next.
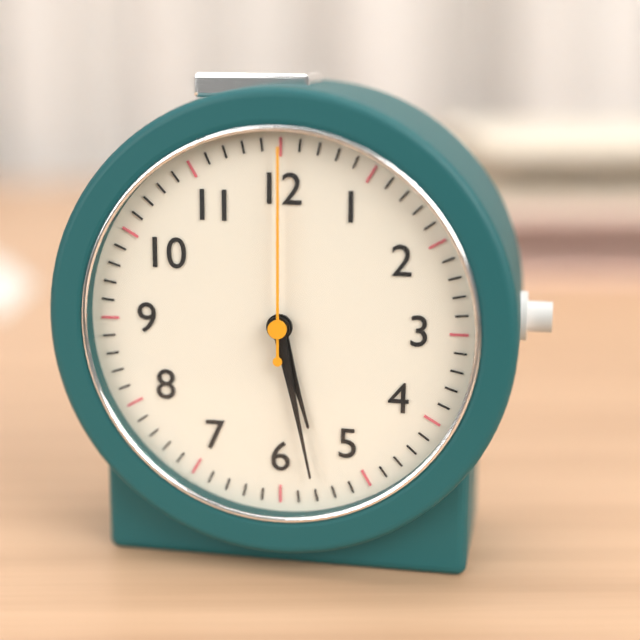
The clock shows 5.28.00
